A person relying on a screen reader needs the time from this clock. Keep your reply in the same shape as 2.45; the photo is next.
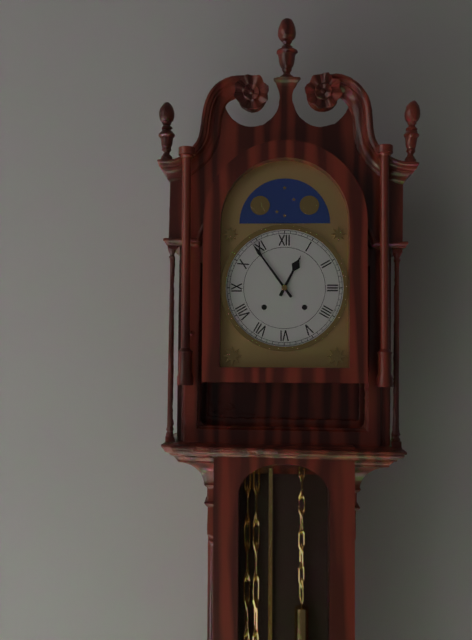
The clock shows 12.54
